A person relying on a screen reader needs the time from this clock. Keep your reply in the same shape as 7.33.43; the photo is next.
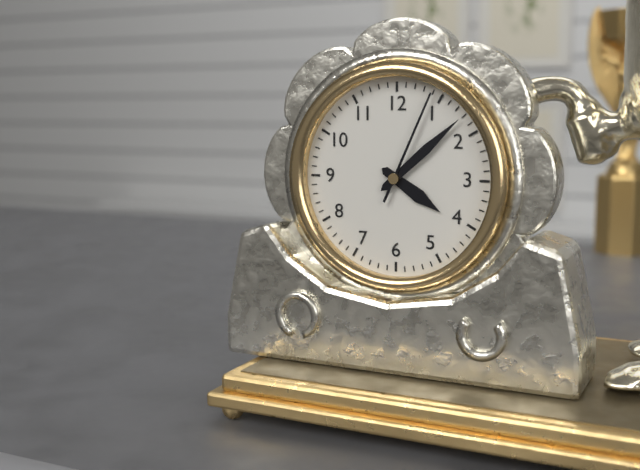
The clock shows 4.08.04
